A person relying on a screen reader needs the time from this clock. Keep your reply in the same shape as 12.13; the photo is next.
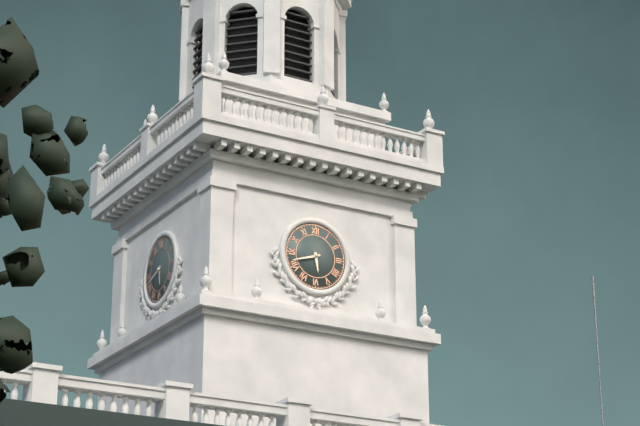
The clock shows 5.42
